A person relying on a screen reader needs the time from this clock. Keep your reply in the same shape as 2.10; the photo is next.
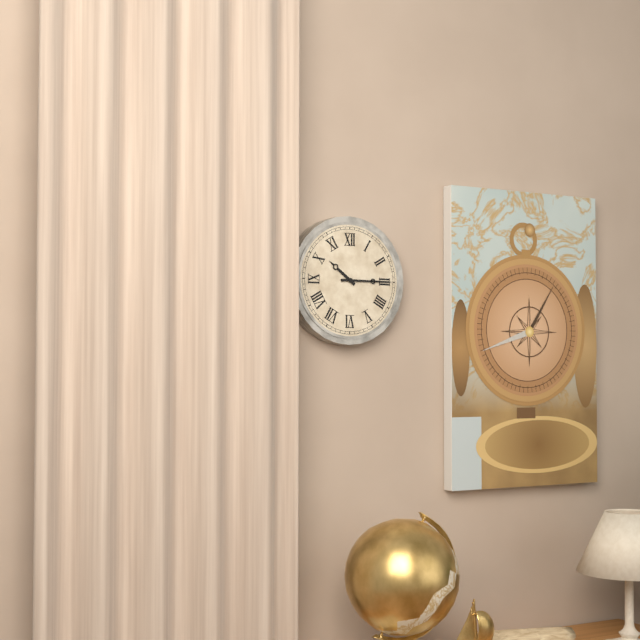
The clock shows 10.15
